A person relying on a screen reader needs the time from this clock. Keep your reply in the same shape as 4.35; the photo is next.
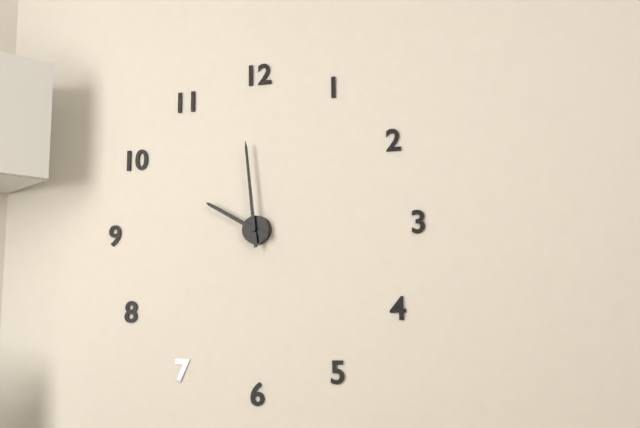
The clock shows 9.59
